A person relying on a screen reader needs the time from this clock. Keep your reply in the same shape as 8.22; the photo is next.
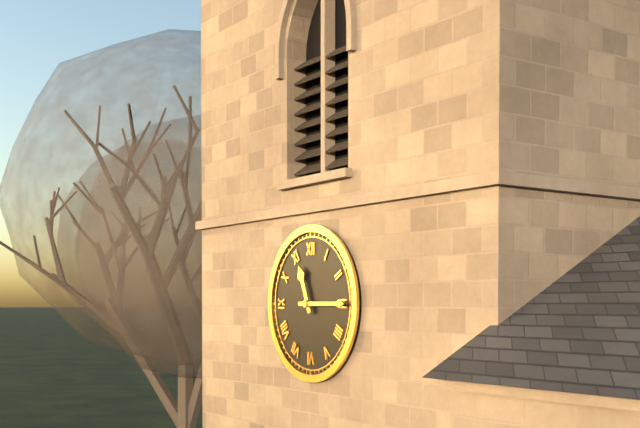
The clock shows 11.15
